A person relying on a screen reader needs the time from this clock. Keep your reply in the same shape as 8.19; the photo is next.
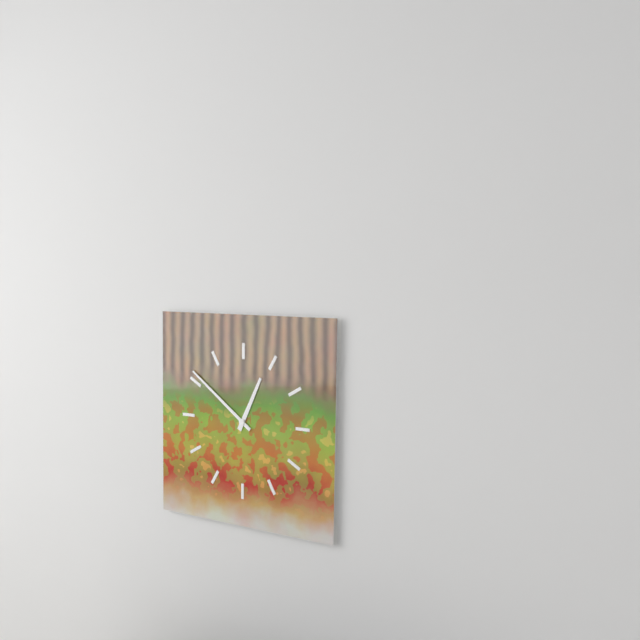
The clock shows 12.51
